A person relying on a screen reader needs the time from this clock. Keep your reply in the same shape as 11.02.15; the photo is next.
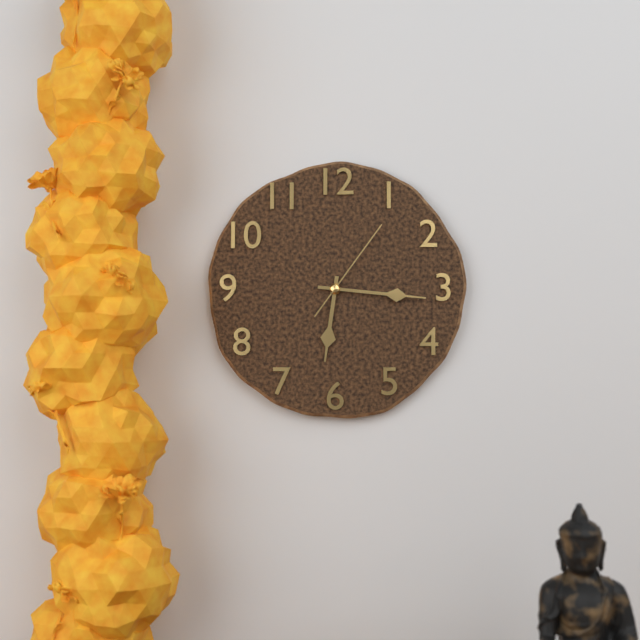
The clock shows 6.16.06
